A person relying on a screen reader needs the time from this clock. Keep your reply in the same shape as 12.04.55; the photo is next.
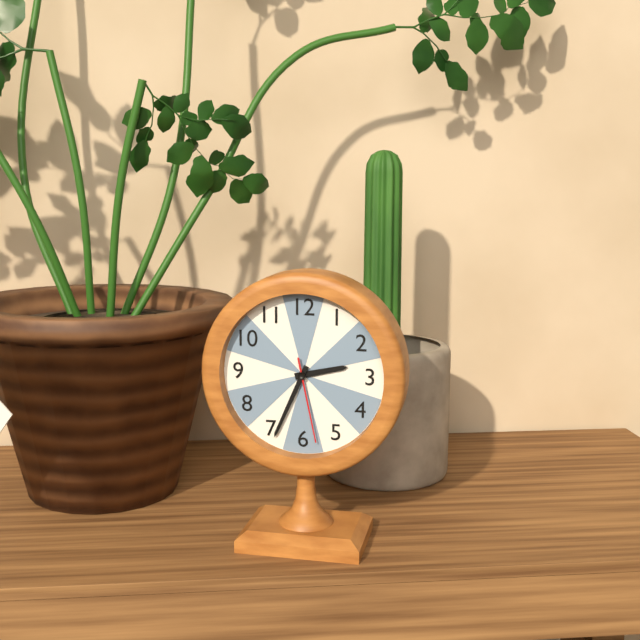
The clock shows 2.34.28
